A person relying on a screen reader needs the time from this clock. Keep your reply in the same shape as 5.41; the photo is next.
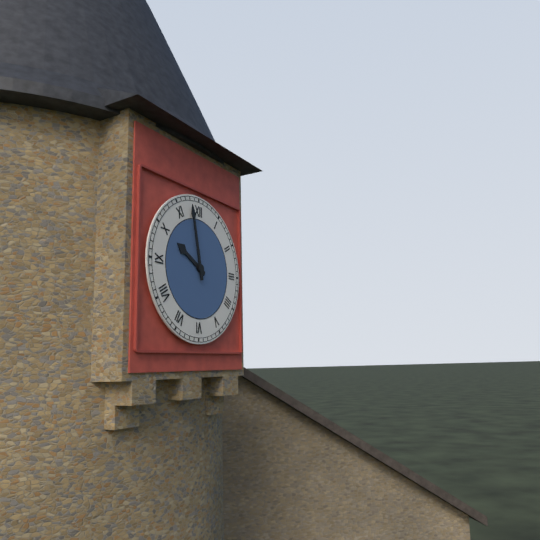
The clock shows 9.58
